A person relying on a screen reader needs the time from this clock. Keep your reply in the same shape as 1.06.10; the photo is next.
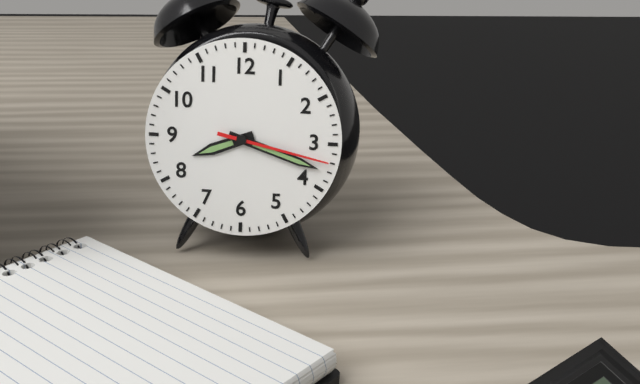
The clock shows 8.18.17
